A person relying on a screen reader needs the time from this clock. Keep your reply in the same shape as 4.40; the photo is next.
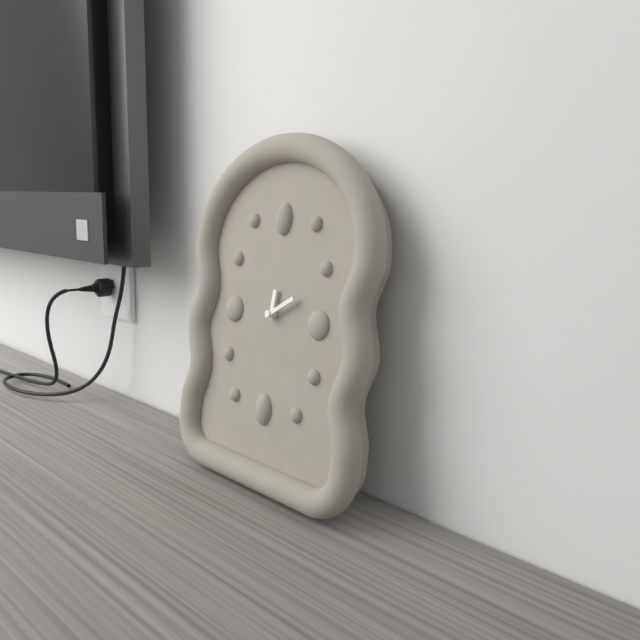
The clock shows 12.10
